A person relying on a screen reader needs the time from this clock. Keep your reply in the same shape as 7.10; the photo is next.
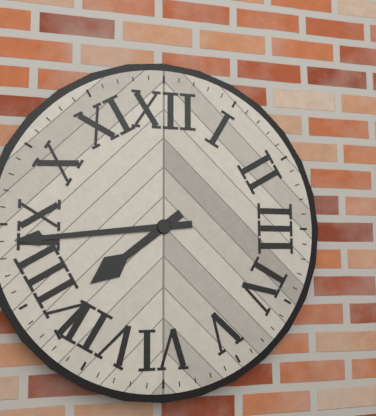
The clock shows 7.44
